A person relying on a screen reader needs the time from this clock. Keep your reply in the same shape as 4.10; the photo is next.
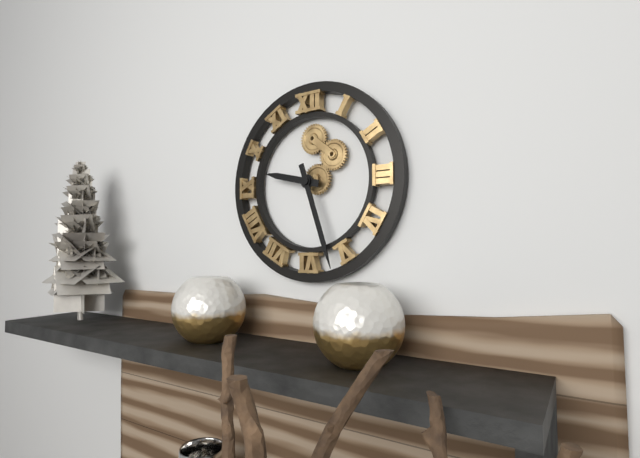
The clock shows 9.27
